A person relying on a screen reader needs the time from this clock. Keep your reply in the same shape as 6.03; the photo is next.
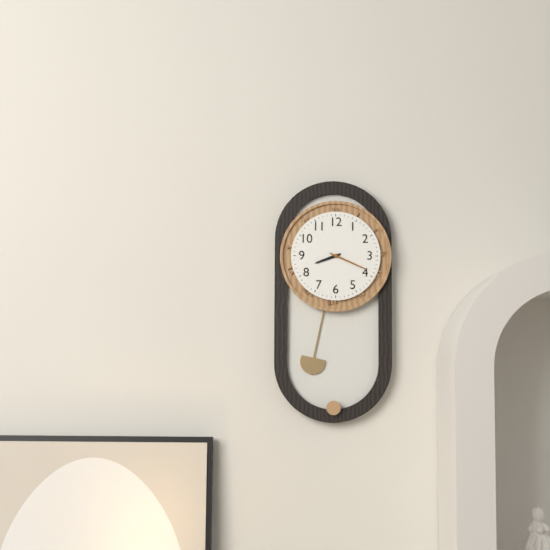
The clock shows 8.19
